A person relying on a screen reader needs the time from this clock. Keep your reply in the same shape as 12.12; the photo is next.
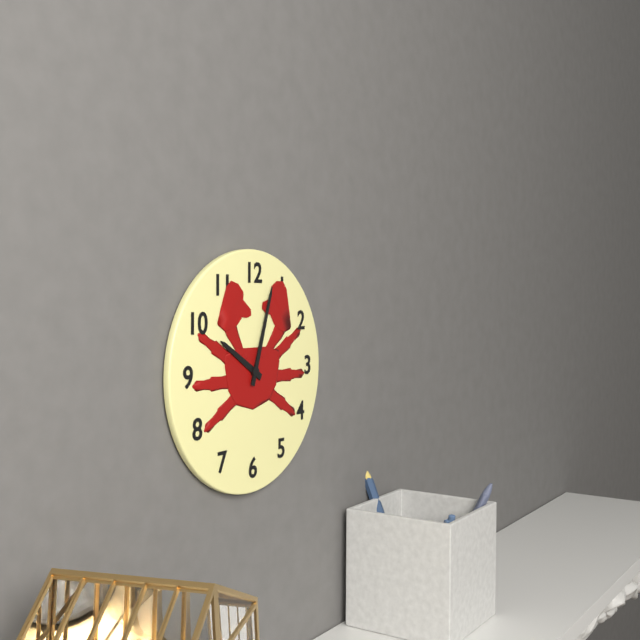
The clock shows 10.03
